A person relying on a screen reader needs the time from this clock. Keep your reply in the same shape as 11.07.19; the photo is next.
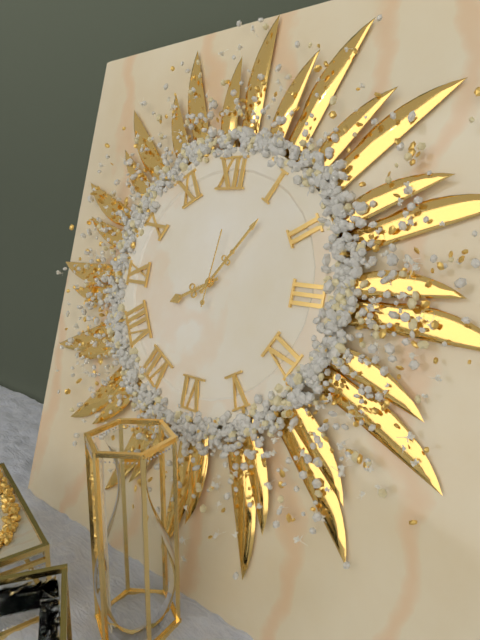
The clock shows 8.06.01
